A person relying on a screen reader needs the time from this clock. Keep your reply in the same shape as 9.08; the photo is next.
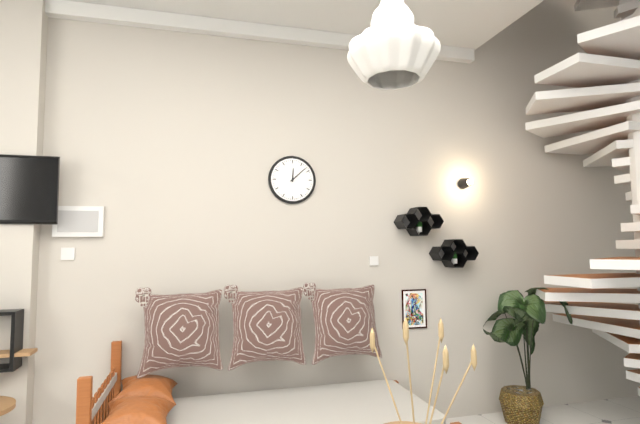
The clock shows 12.08
